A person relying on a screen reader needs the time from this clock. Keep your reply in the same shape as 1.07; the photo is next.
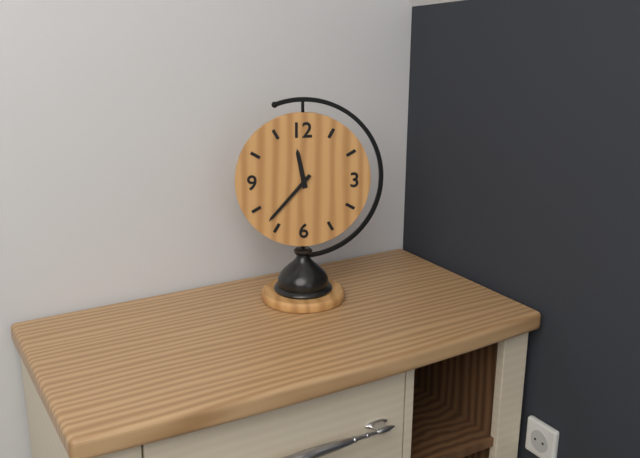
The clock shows 11.37
